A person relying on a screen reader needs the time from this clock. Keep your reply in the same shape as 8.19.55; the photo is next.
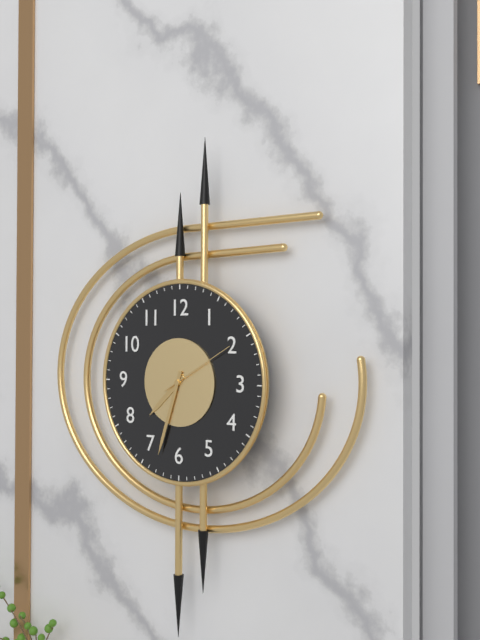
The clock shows 7.33.10
